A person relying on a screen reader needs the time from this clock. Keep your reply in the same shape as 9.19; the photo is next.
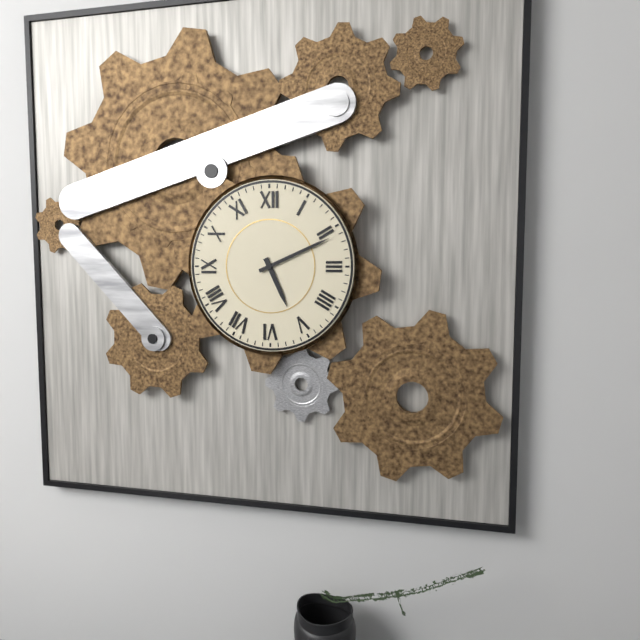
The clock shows 5.11
